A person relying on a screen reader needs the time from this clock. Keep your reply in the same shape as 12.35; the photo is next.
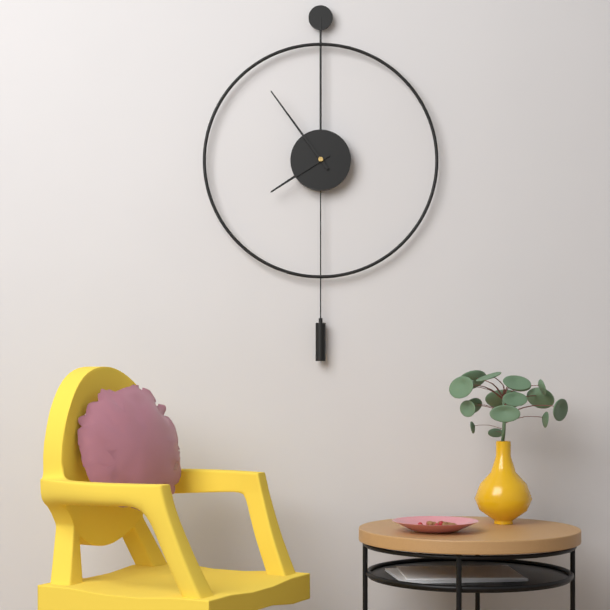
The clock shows 7.54
